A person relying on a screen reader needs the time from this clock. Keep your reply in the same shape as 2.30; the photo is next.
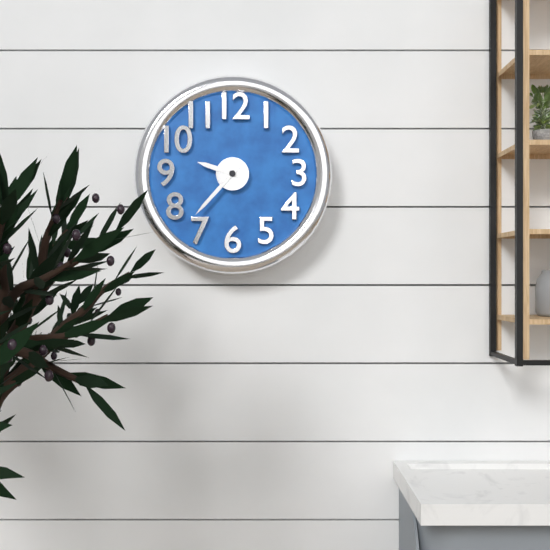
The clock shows 9.37
